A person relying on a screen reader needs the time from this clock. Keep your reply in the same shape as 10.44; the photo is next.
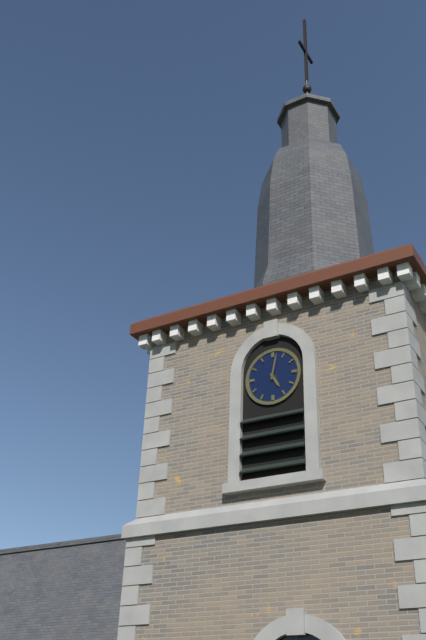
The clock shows 5.02
